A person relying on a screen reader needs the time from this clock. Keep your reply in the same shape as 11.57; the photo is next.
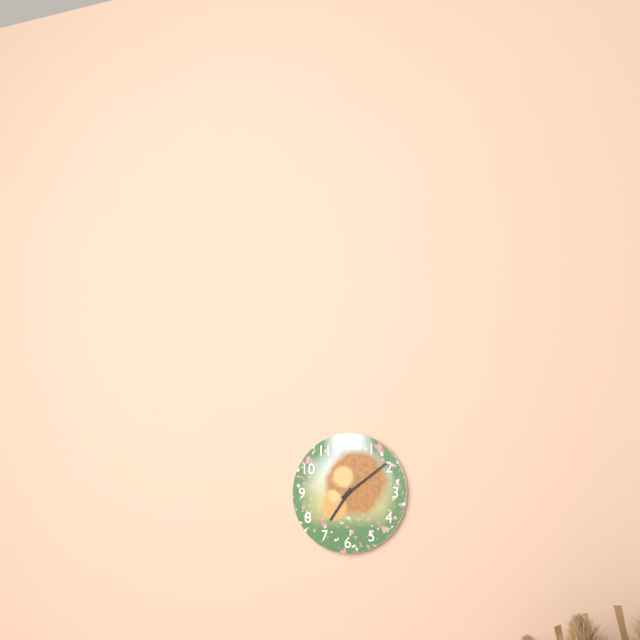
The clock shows 7.09
